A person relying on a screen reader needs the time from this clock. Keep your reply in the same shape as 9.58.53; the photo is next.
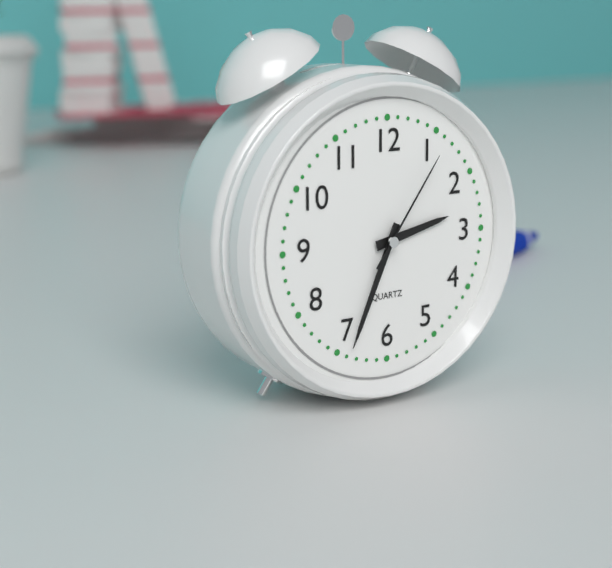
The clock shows 2.34.06
